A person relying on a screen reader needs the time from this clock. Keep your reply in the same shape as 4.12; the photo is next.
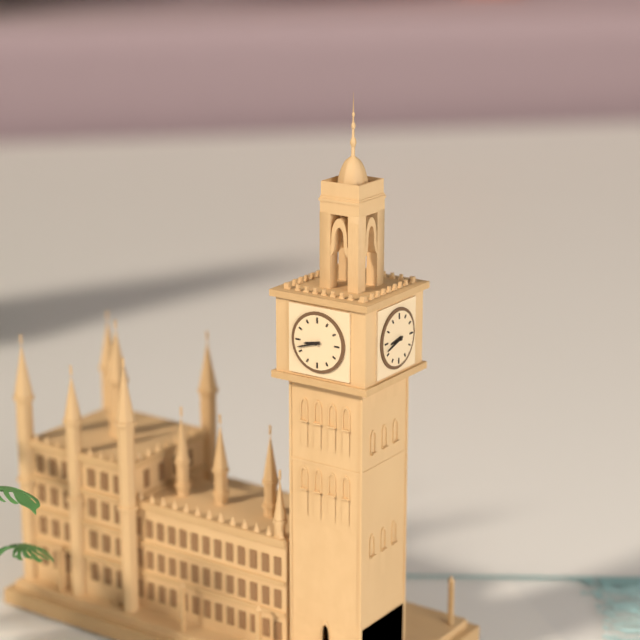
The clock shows 8.42
